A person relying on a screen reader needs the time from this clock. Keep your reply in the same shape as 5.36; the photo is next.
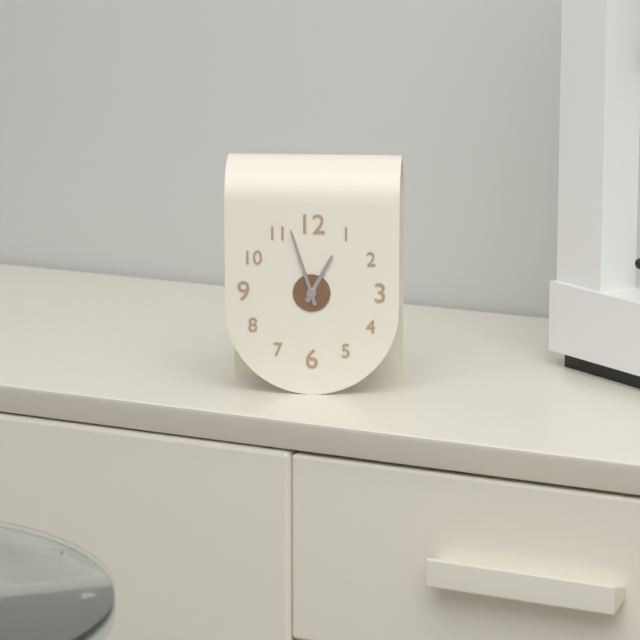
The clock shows 12.57
